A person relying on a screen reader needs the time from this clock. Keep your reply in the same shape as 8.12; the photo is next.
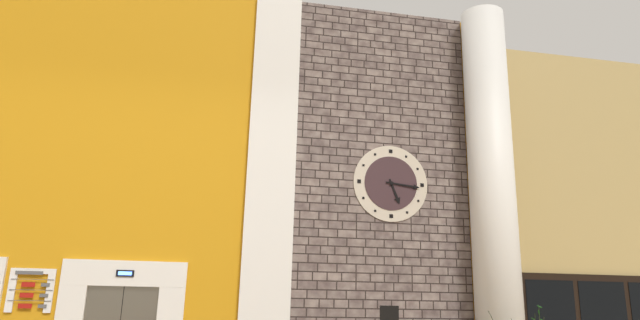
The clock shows 5.16
